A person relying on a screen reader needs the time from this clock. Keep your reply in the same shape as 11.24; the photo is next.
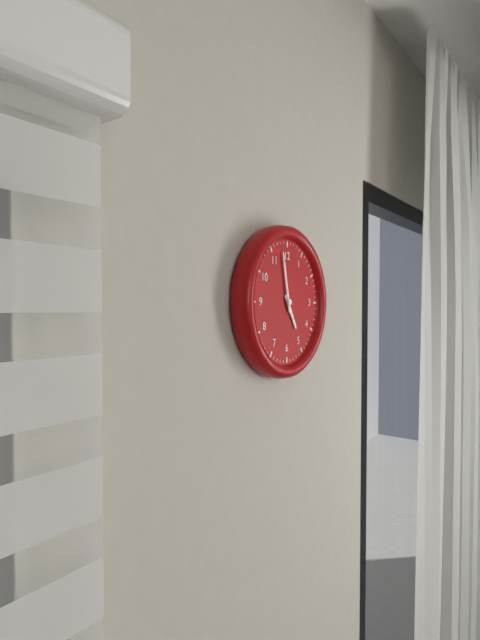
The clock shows 4.58
